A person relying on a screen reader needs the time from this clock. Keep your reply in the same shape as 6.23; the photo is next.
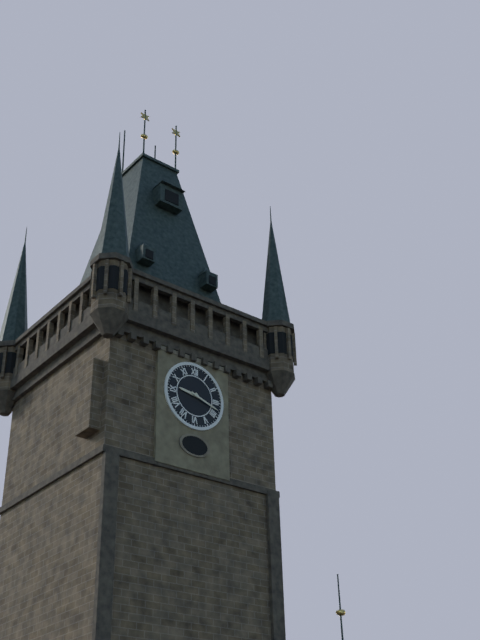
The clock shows 9.18
